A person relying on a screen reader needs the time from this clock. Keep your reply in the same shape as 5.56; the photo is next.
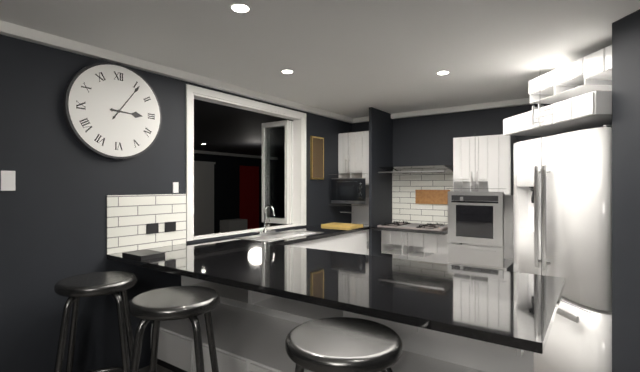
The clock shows 3.06
